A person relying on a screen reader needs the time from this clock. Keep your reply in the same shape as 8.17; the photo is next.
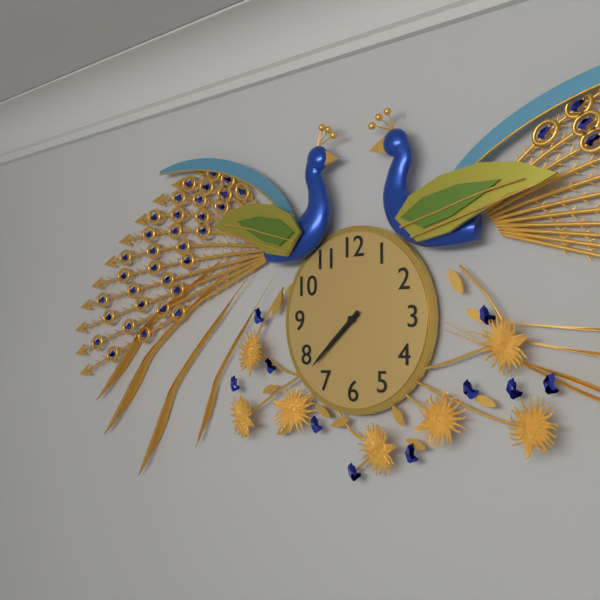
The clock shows 7.38
